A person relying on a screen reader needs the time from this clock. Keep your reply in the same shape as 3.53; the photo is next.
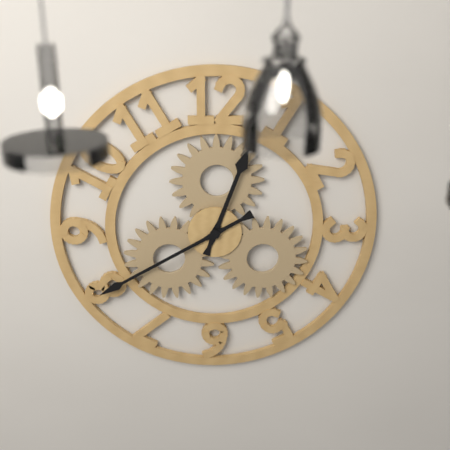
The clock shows 12.40
